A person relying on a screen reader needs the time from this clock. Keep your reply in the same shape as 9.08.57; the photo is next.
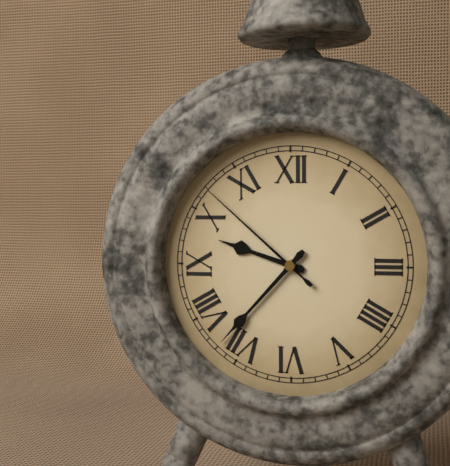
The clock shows 9.37.52
